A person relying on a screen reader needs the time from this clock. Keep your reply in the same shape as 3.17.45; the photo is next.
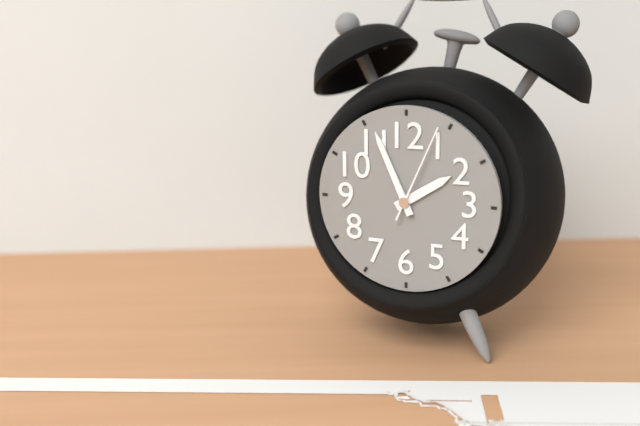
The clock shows 1.56.04
